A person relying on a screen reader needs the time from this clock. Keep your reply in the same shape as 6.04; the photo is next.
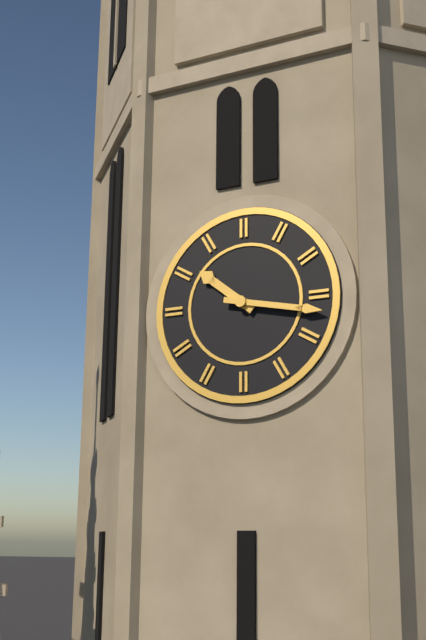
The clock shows 10.17
